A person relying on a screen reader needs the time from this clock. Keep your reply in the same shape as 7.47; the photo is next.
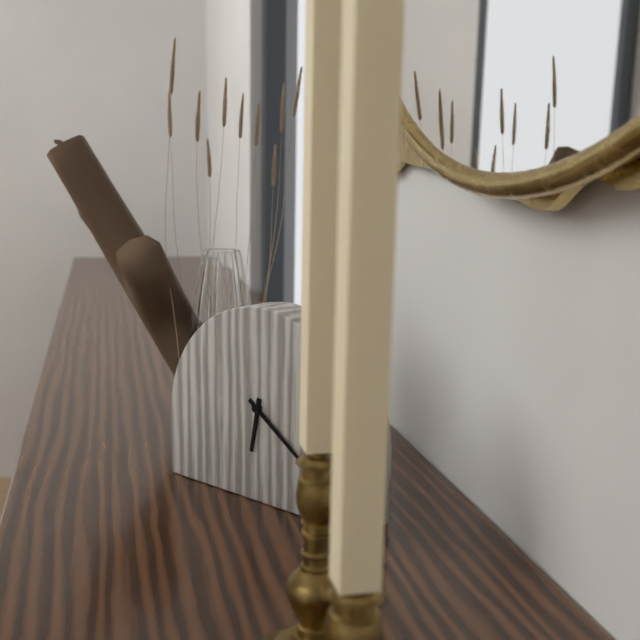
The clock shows 6.21
